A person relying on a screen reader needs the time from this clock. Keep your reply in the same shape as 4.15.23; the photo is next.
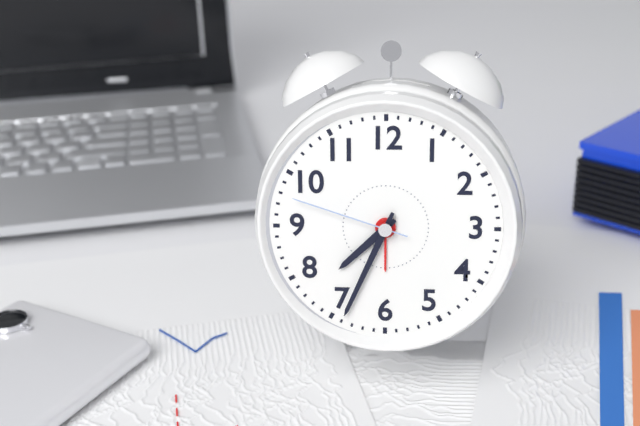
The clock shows 7.34.48
